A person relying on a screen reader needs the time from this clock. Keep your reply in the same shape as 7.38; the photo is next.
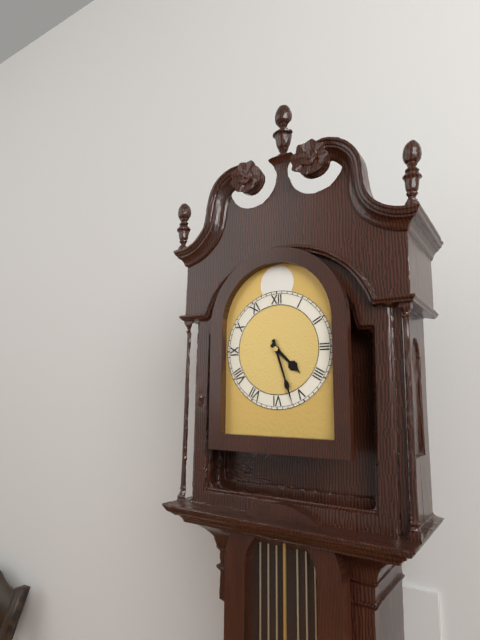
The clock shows 4.27
